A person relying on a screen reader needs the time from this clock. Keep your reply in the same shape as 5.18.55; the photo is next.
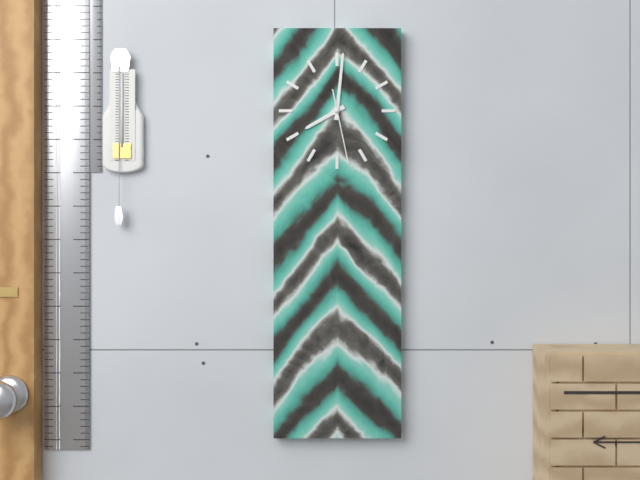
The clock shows 8.01.28
